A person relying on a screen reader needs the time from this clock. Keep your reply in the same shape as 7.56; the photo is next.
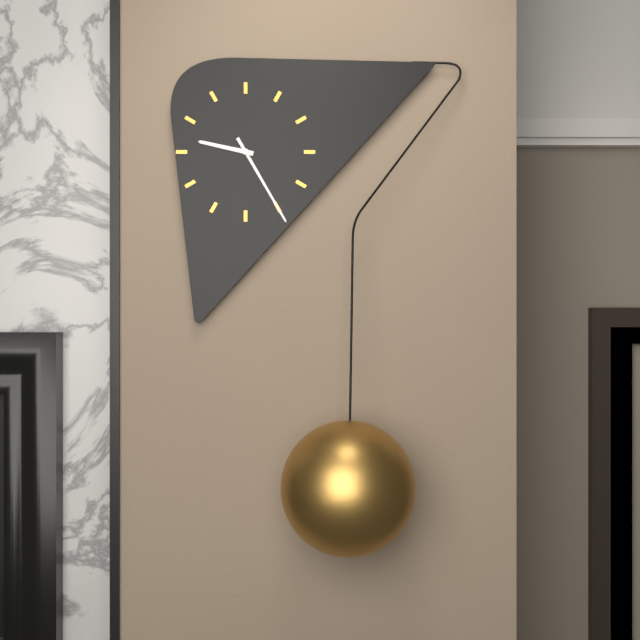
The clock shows 9.25
